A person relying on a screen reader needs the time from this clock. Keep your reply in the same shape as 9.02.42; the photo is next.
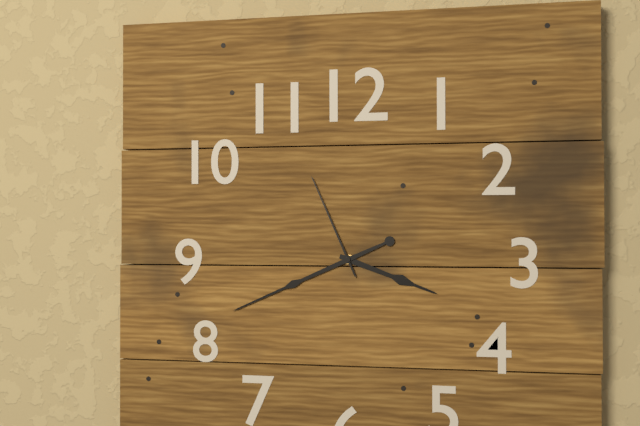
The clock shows 3.41.56
